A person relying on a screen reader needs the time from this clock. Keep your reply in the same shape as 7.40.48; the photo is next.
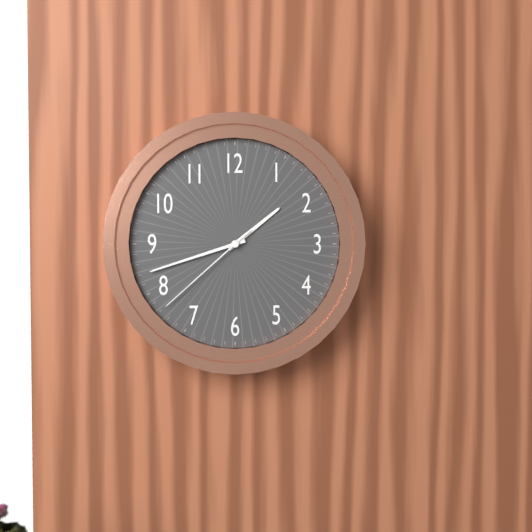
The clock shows 1.42.38
